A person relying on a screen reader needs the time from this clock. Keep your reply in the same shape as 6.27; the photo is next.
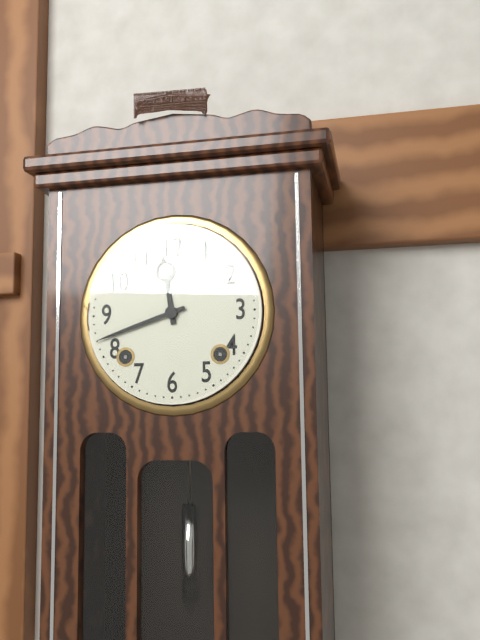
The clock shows 11.42
